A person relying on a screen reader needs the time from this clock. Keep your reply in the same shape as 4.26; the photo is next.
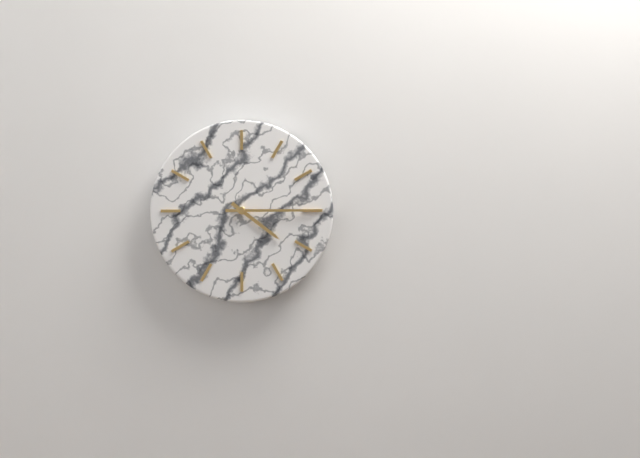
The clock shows 4.15
